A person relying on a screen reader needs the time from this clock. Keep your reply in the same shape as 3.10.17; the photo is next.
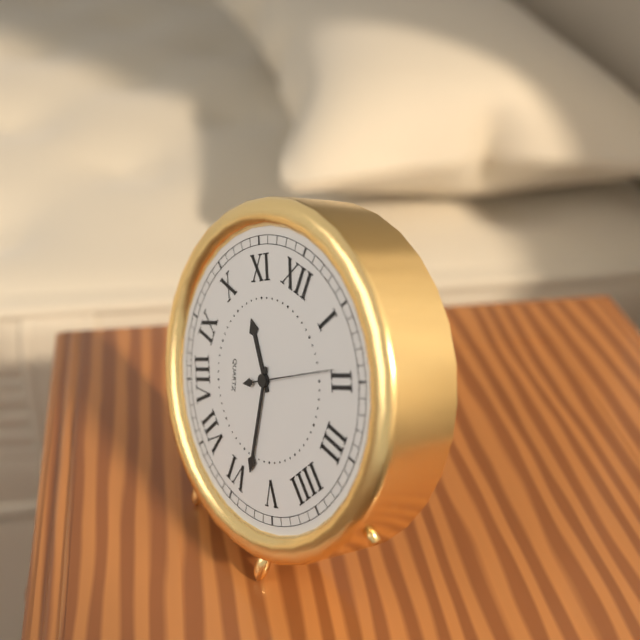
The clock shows 10.28.09
